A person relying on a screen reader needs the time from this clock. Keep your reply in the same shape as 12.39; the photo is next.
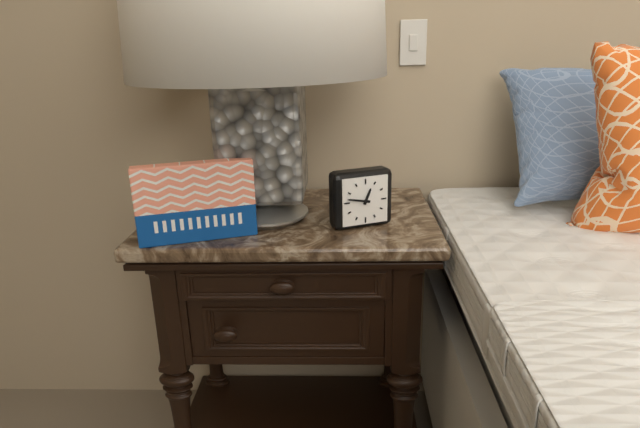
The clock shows 12.47
